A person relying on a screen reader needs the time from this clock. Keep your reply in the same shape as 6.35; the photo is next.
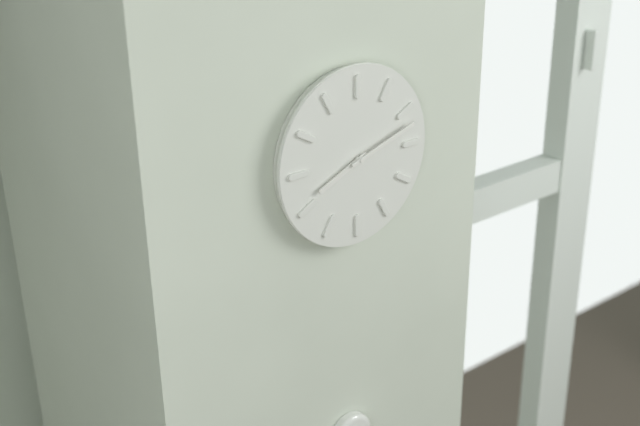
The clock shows 8.12
